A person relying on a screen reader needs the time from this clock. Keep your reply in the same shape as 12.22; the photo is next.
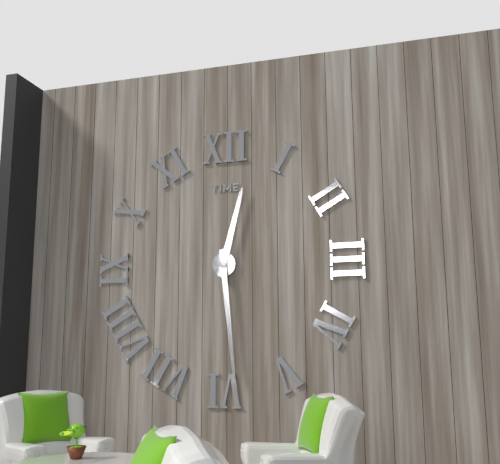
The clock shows 12.29
